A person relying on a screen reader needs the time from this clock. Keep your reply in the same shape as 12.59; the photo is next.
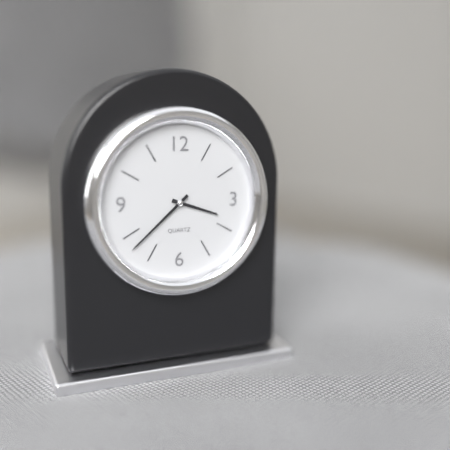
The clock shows 3.38
